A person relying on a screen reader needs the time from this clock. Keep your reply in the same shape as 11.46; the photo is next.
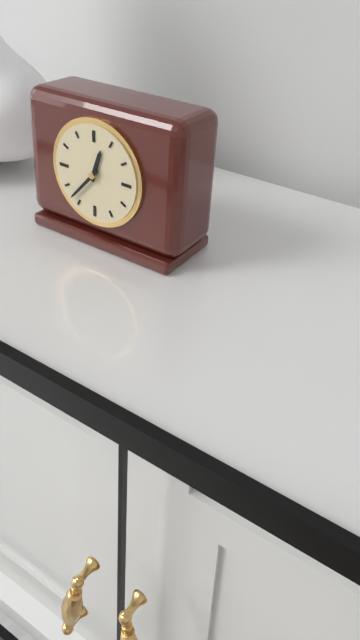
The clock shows 12.37
